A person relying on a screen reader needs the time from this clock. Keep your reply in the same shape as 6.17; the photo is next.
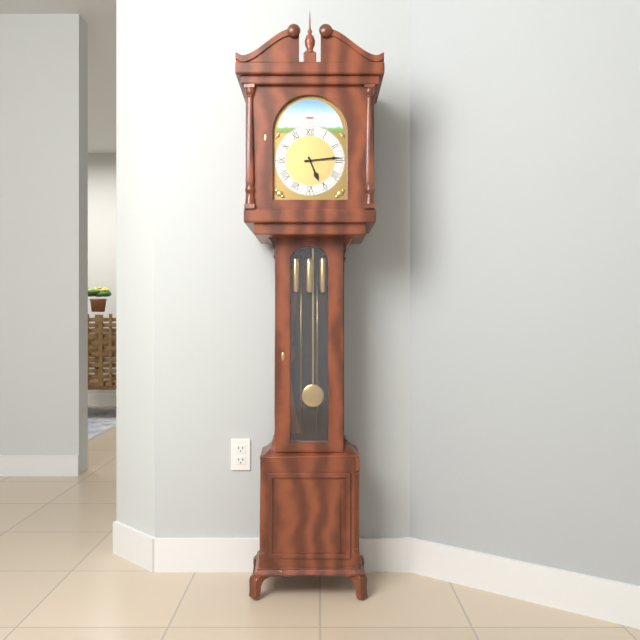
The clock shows 5.14
